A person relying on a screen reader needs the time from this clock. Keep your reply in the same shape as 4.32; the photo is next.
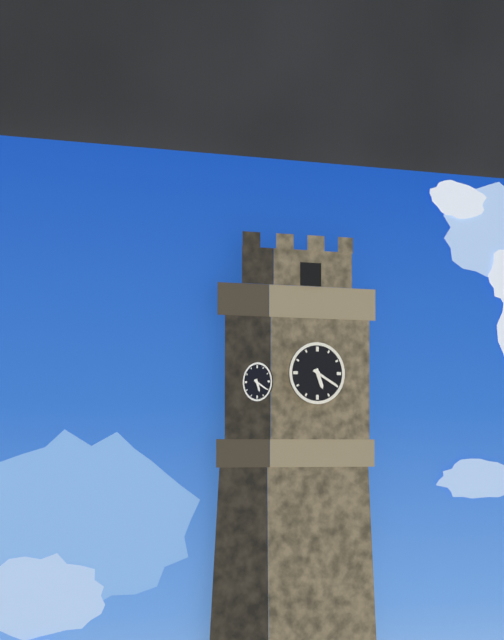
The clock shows 5.20
